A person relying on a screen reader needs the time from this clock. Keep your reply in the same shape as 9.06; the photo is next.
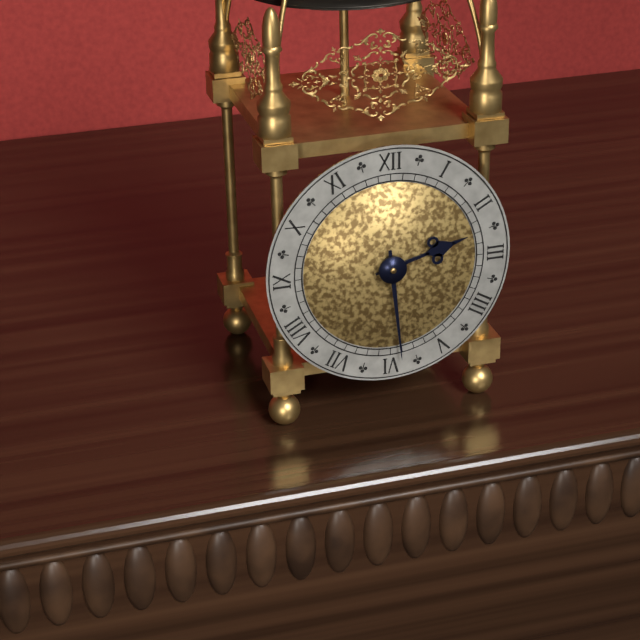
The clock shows 2.29
